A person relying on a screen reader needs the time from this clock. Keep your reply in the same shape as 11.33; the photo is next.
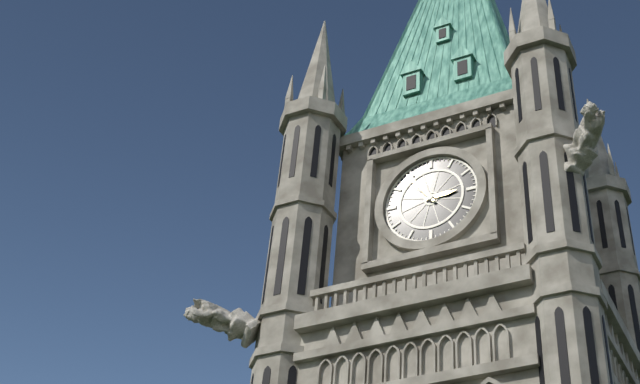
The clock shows 2.54
